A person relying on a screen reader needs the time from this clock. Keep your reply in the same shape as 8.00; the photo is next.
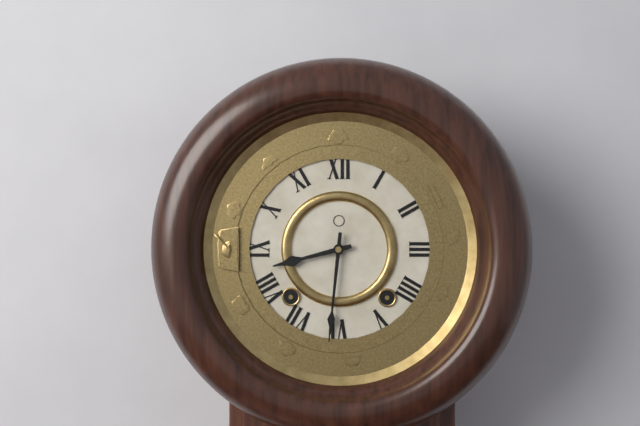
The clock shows 8.31
